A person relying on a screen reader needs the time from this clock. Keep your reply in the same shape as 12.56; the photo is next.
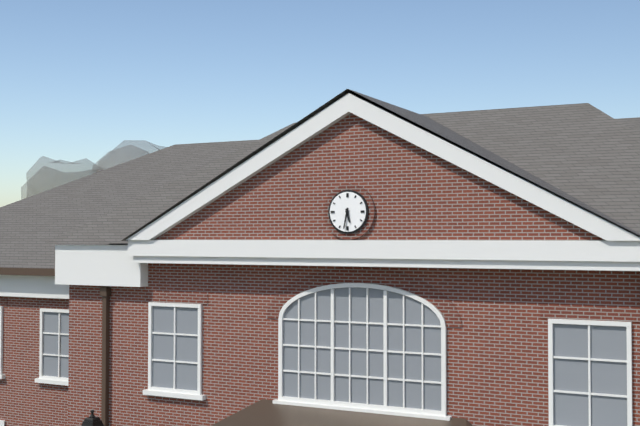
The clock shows 5.32
